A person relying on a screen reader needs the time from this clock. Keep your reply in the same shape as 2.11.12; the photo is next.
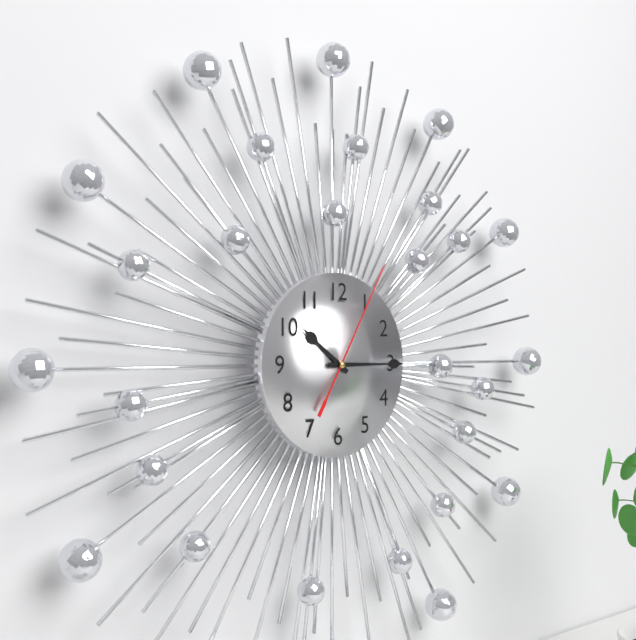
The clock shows 10.15.05
